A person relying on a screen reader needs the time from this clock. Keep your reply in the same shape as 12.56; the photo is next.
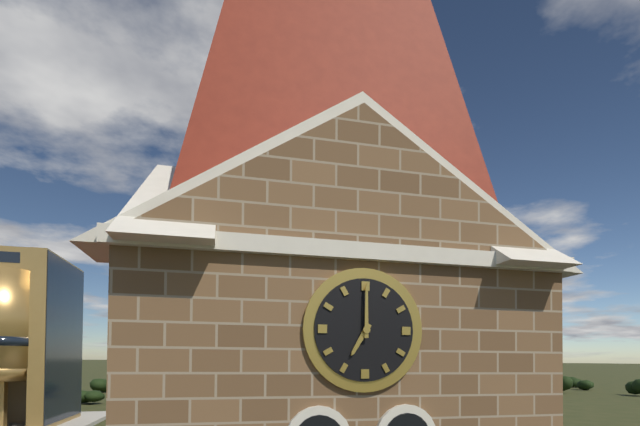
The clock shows 7.00
